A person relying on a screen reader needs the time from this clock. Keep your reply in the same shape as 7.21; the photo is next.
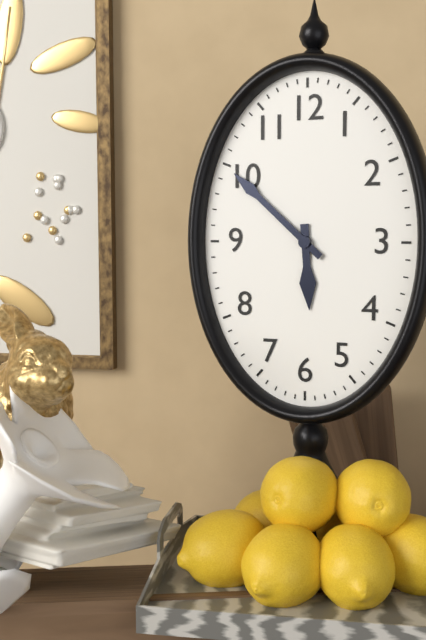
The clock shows 5.52
